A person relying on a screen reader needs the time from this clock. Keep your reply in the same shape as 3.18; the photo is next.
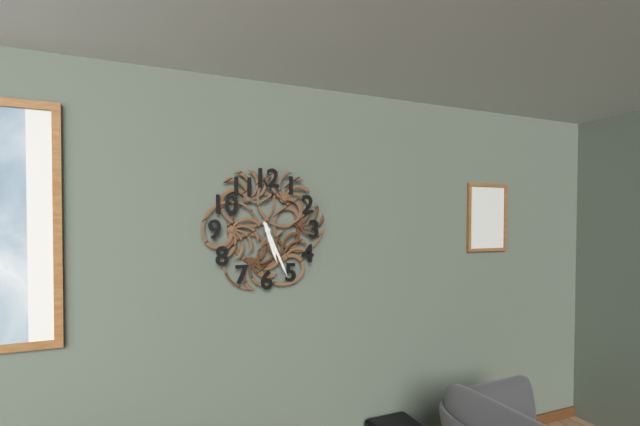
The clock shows 5.26
